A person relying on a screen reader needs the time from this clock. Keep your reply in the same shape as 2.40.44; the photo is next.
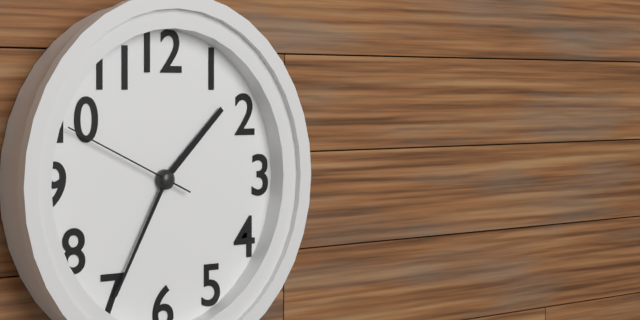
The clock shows 1.35.49
